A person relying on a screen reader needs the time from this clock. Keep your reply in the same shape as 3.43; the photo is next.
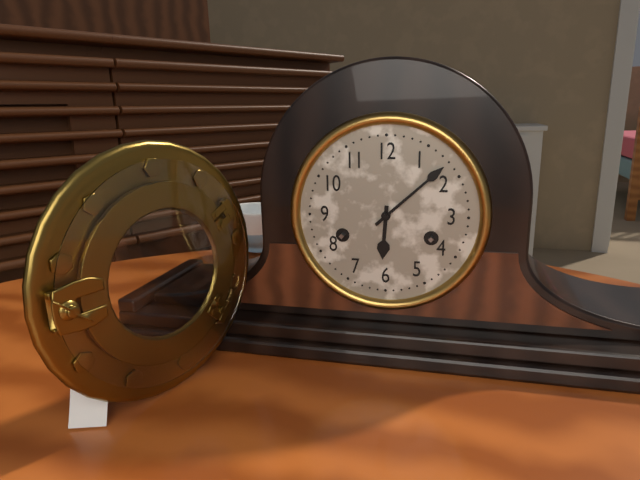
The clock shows 6.08
